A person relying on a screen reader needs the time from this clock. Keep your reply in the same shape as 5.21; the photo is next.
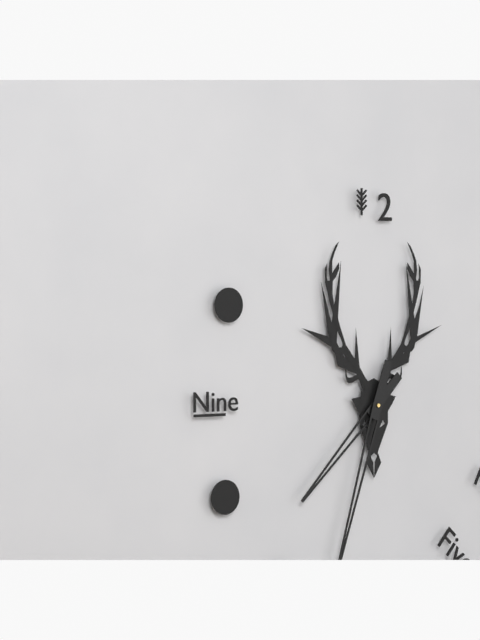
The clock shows 7.33
